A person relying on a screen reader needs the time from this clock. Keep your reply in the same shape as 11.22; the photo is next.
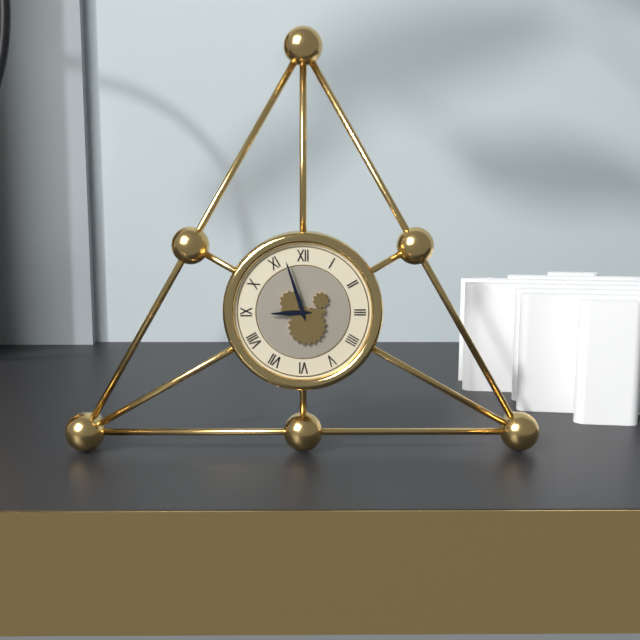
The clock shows 8.57
